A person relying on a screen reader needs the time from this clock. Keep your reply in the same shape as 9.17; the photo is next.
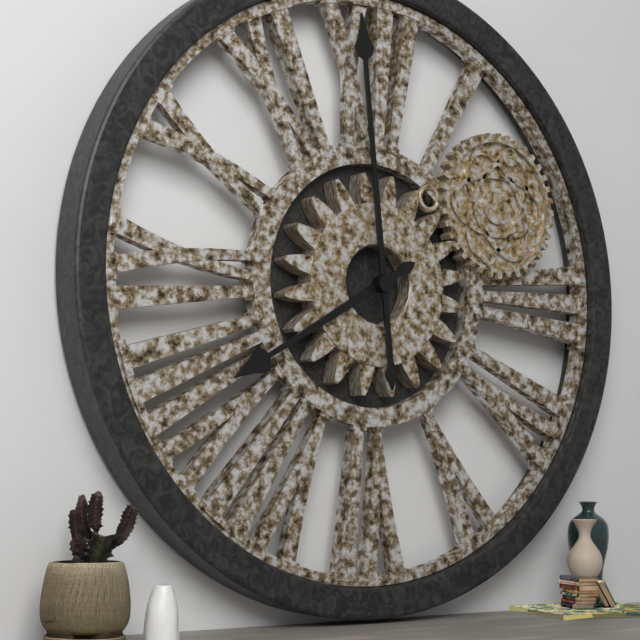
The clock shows 7.59
